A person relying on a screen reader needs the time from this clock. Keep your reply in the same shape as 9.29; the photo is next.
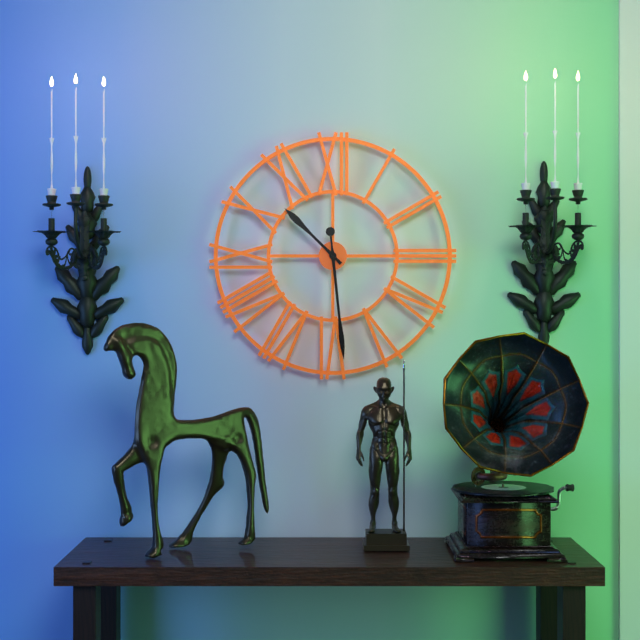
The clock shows 10.29
